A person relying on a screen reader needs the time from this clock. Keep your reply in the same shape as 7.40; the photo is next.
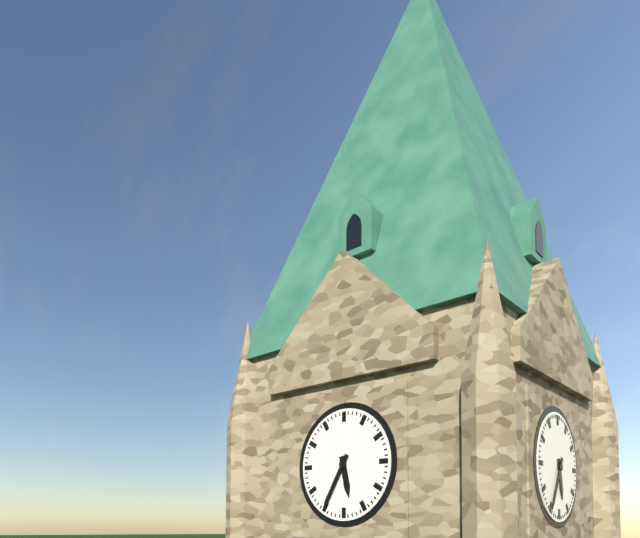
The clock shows 5.35
